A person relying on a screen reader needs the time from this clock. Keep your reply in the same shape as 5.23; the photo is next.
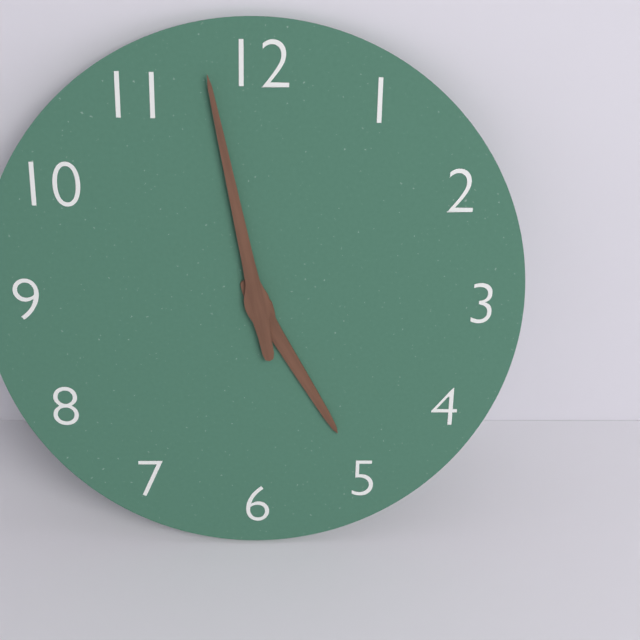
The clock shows 4.58
